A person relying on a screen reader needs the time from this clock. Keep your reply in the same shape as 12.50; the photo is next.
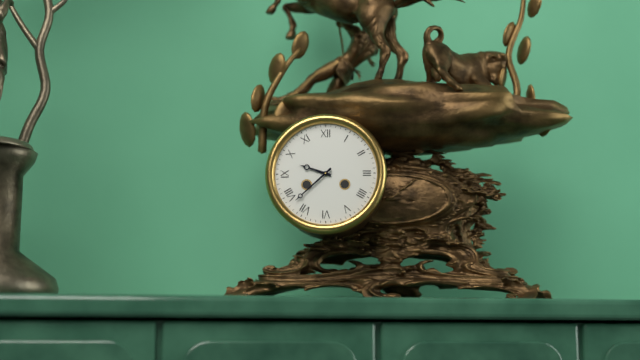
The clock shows 9.38
